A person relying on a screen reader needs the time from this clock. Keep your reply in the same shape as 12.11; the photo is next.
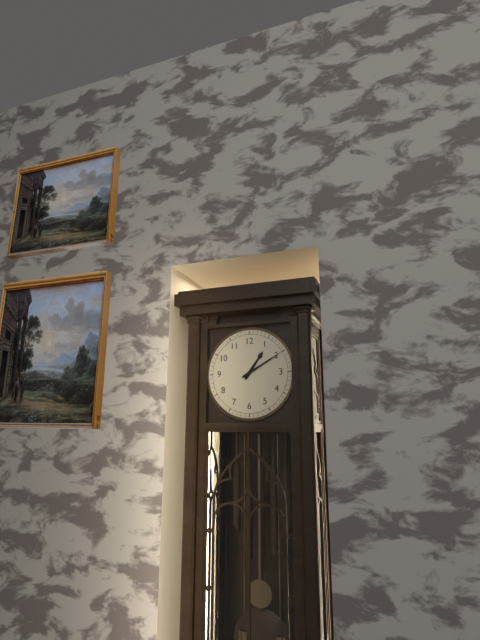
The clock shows 1.10
